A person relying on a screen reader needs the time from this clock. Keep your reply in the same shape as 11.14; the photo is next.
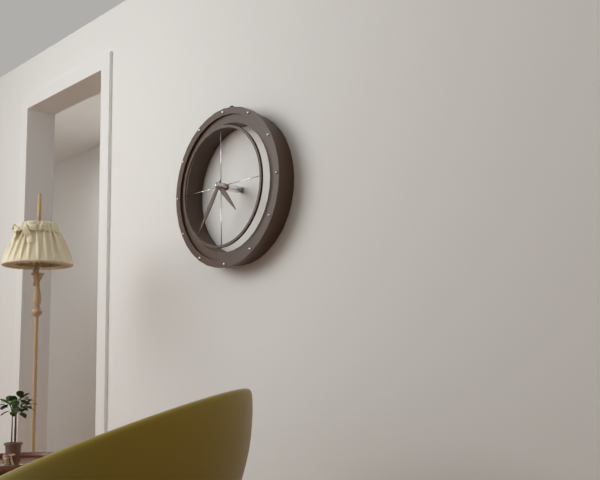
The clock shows 4.36
